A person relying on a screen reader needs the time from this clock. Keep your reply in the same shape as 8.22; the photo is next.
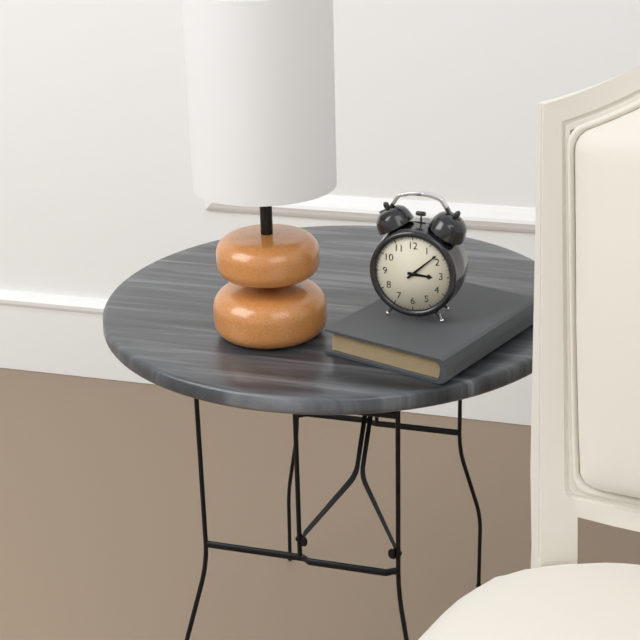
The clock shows 3.08
